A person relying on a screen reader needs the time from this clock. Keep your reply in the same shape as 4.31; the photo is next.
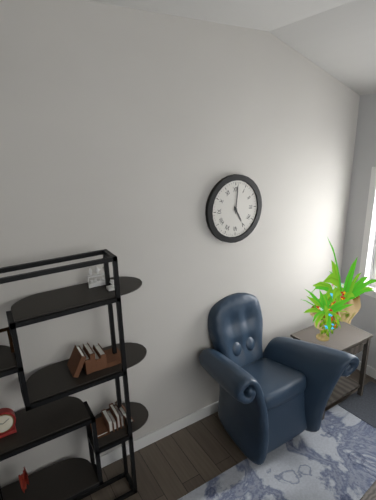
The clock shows 5.01
